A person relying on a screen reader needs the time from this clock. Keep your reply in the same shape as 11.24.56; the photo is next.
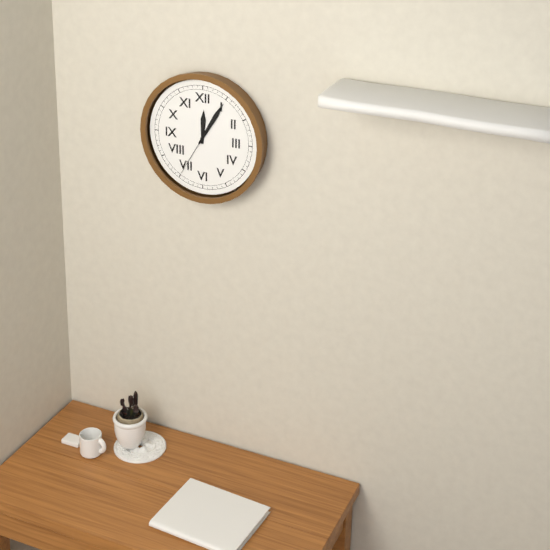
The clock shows 12.05.35
